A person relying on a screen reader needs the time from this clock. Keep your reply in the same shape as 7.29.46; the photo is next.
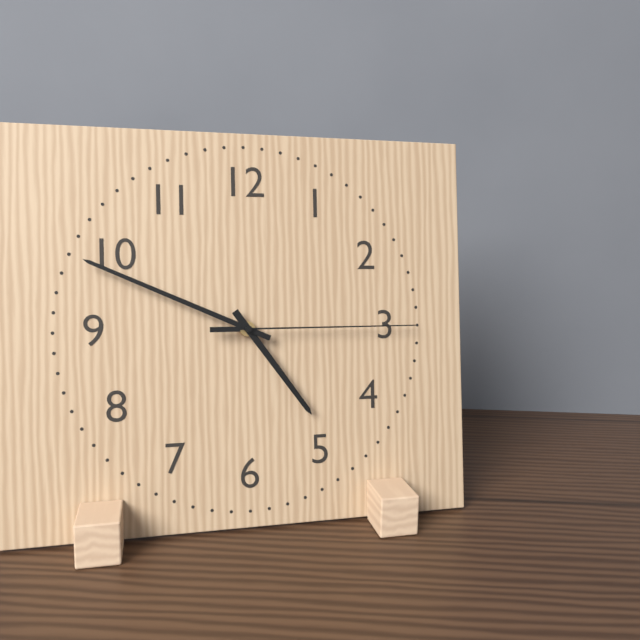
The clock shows 4.49.15
